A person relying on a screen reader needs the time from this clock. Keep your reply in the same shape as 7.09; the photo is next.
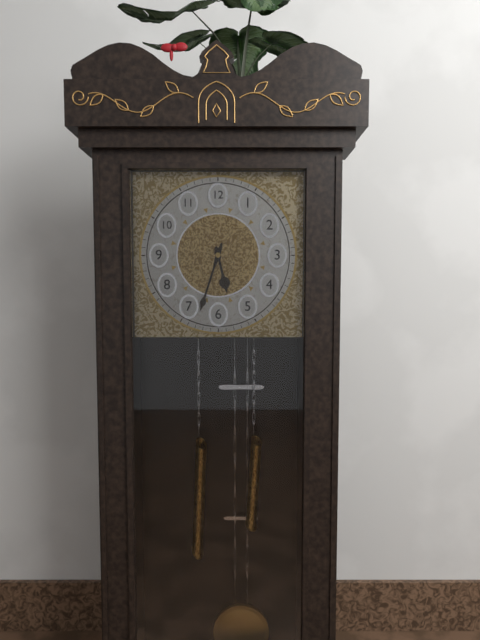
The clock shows 5.33
